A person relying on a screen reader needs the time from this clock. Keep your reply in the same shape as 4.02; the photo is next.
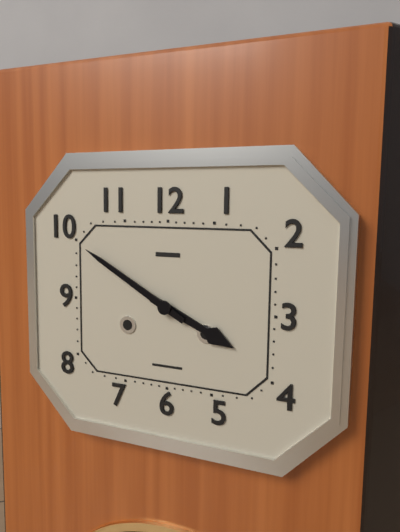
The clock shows 3.50
